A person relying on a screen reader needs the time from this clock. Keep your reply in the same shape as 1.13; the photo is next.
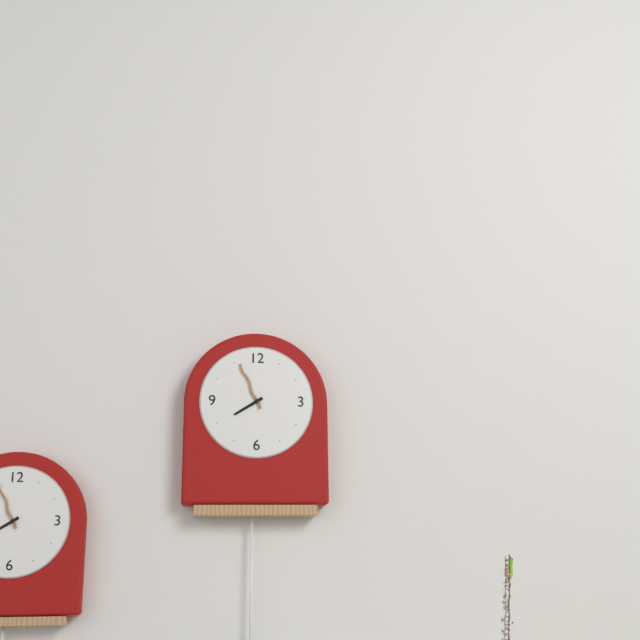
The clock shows 7.56
